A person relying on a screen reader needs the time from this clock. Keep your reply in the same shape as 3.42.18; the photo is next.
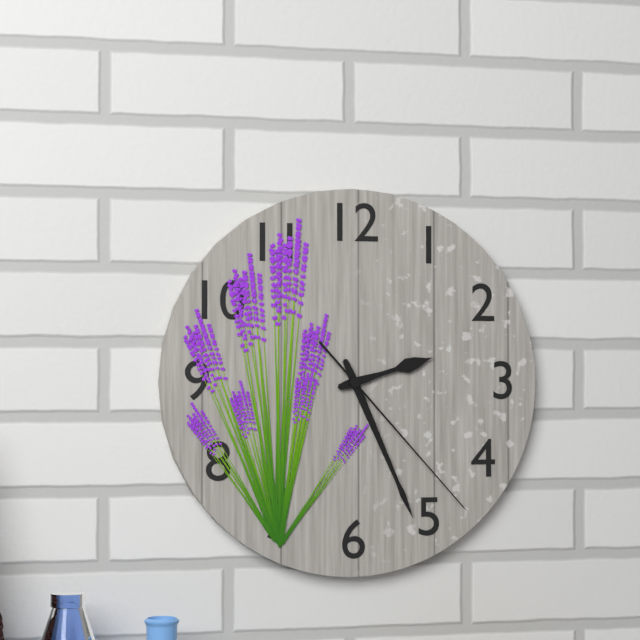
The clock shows 2.26.23
